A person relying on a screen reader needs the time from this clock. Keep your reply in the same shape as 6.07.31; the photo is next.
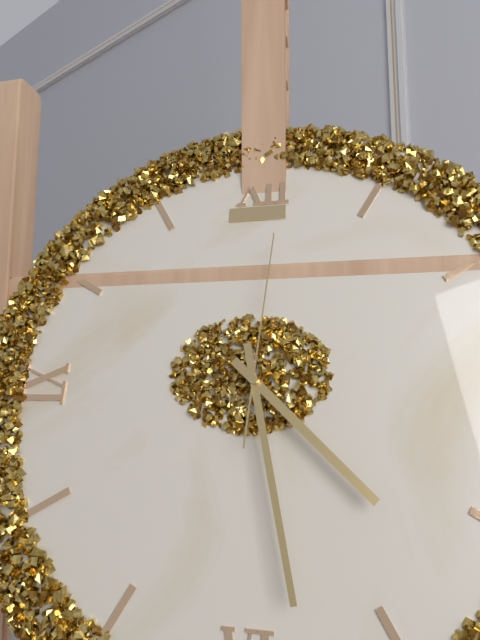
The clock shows 4.28.01
